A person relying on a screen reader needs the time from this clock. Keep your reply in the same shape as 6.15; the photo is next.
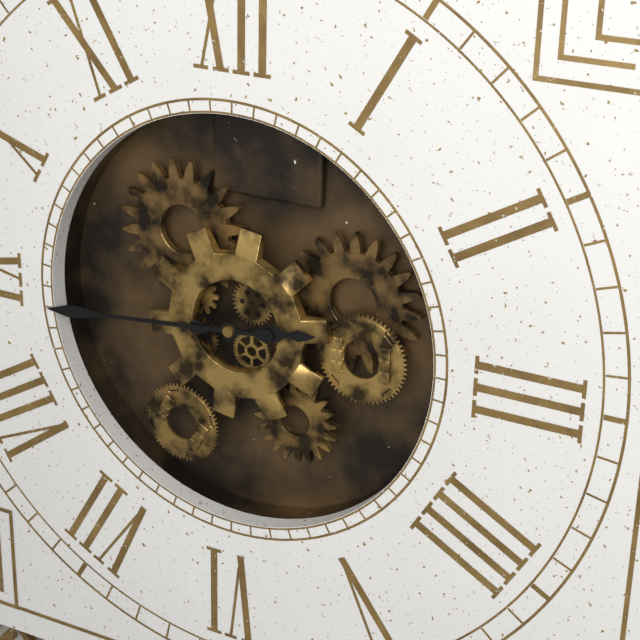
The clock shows 2.44
